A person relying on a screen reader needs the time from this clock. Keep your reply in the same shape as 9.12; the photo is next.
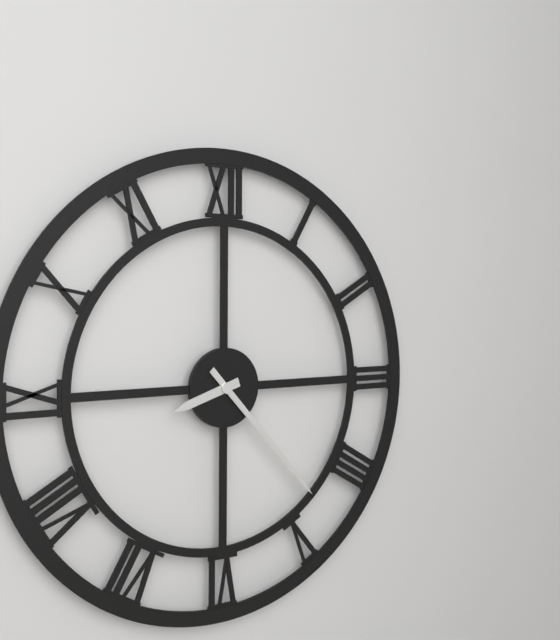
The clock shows 8.23
